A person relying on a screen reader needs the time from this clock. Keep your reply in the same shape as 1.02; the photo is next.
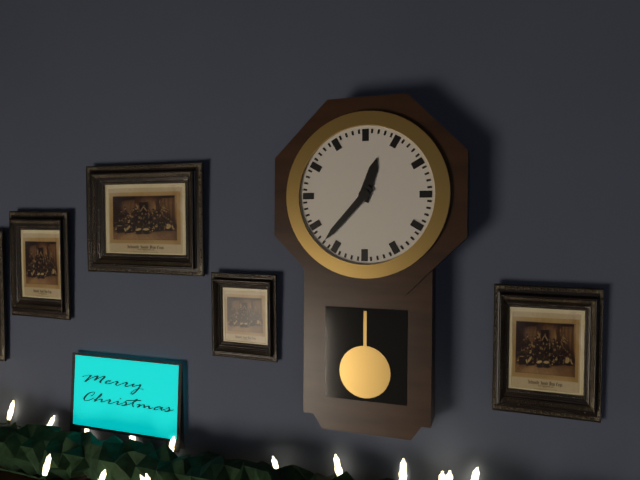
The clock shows 12.37
